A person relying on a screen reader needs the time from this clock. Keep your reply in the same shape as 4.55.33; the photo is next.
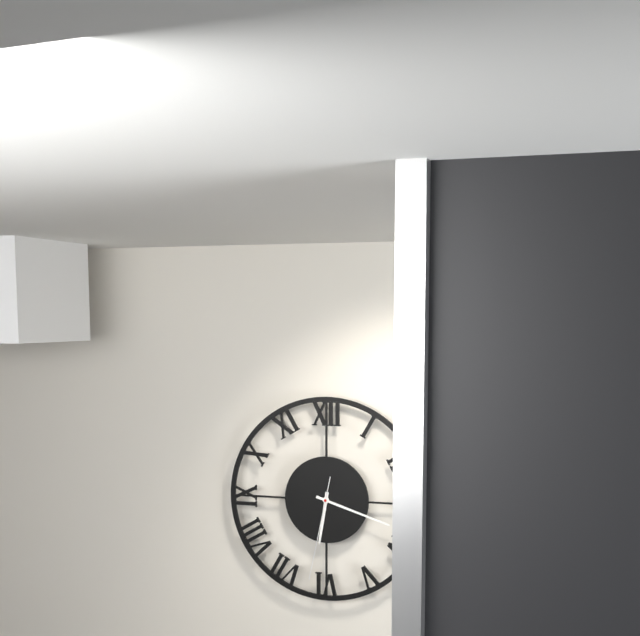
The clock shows 6.18.32
